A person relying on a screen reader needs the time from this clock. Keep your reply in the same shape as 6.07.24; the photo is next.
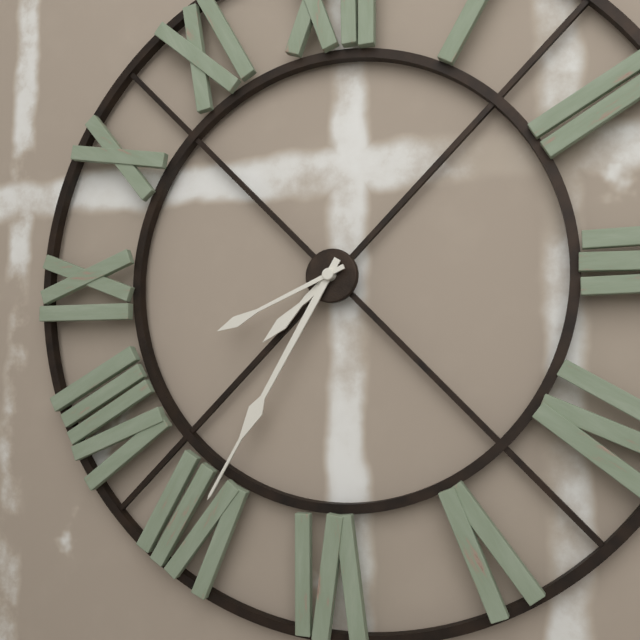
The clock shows 7.35.41
